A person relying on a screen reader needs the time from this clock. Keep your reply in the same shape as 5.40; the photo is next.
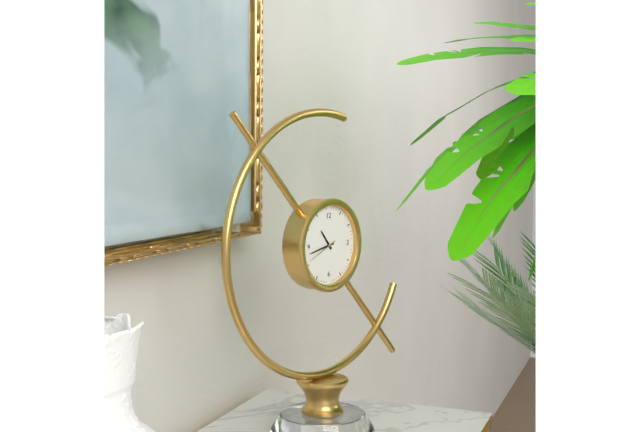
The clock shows 10.43
